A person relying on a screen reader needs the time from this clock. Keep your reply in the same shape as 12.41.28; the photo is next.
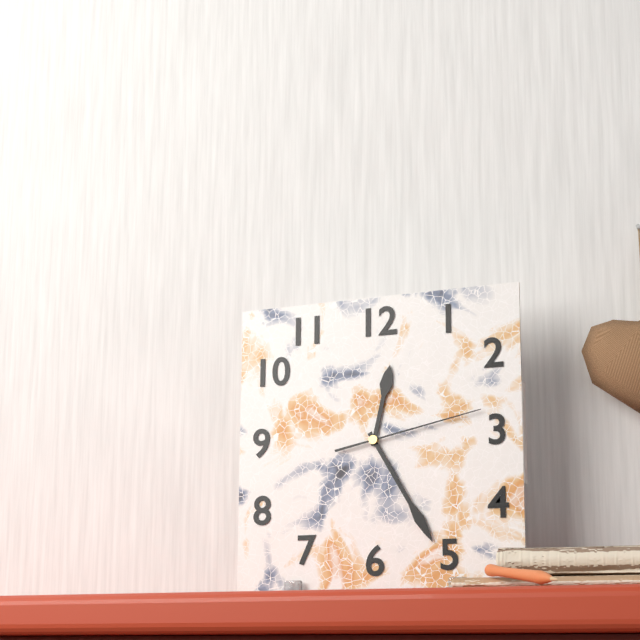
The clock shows 12.25.13
